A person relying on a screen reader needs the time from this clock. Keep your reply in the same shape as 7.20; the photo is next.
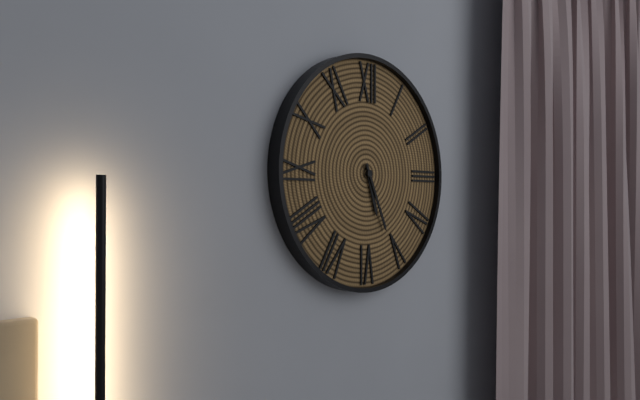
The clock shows 5.26
